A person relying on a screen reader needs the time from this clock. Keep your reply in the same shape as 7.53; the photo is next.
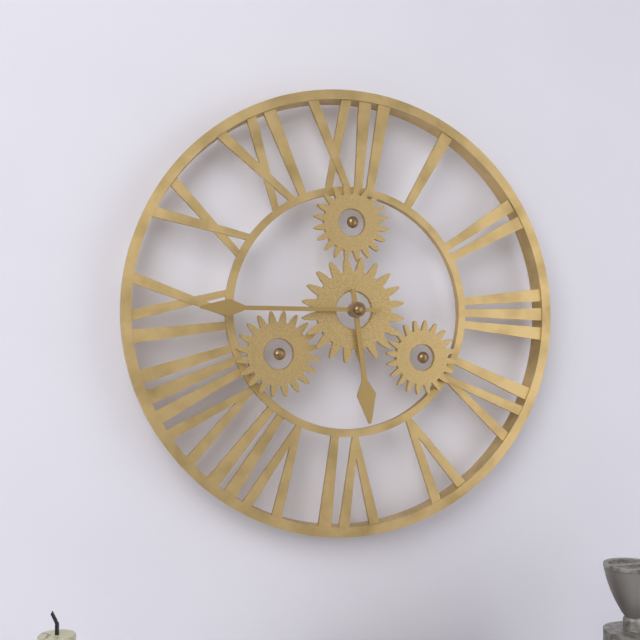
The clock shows 5.45
